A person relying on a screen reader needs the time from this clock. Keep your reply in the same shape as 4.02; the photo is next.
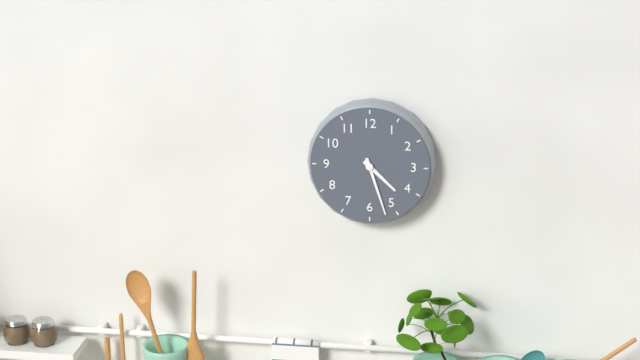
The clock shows 4.27
